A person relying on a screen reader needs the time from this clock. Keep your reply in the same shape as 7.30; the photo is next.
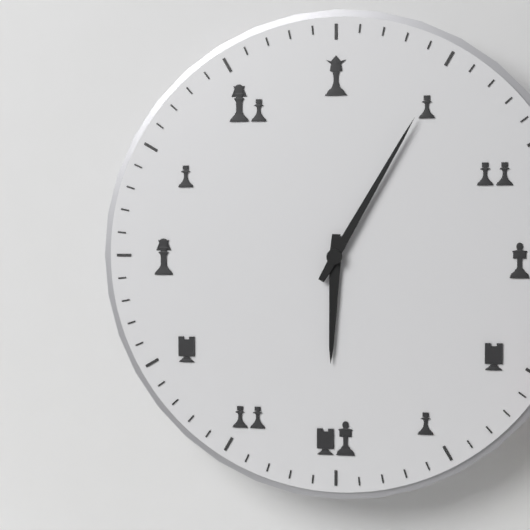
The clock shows 6.05
